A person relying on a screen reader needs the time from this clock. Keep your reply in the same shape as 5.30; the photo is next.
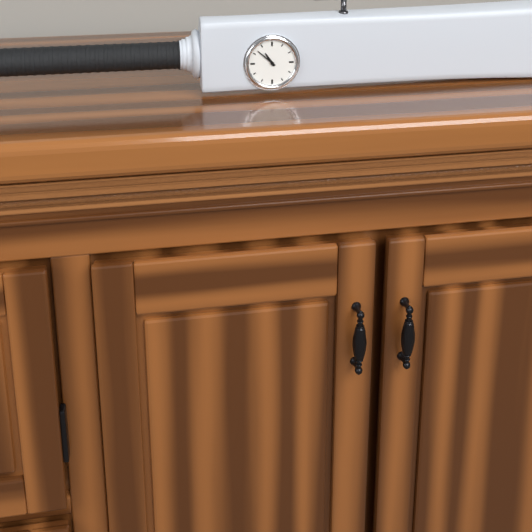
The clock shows 10.52
